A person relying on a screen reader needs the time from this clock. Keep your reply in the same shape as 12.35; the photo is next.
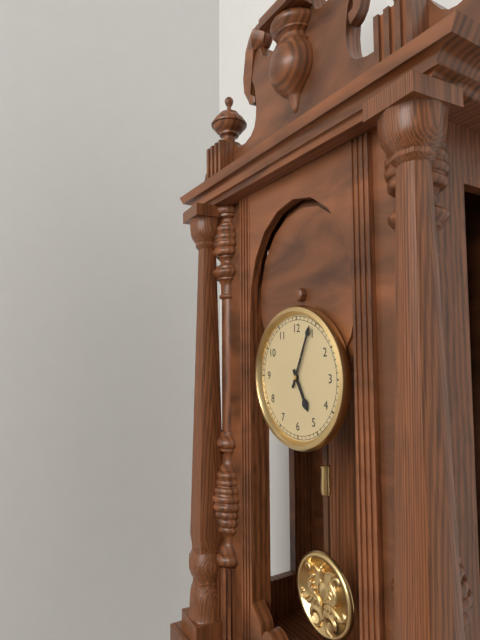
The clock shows 5.04
